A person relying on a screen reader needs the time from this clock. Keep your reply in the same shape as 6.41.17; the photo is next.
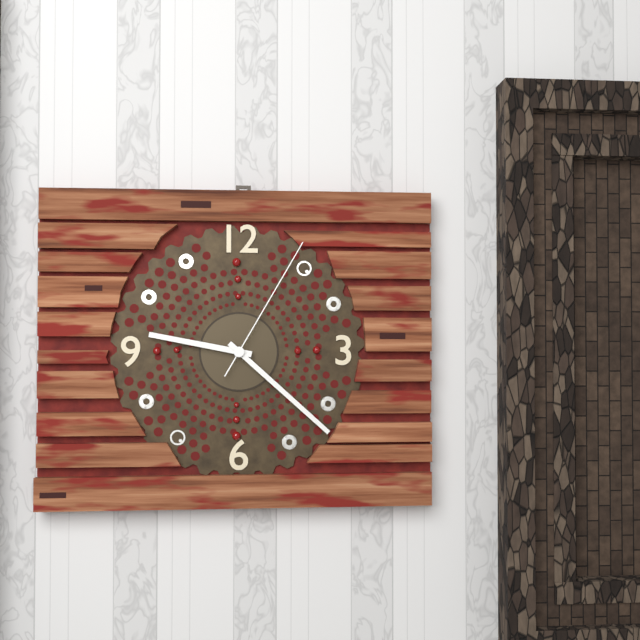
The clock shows 9.22.05
